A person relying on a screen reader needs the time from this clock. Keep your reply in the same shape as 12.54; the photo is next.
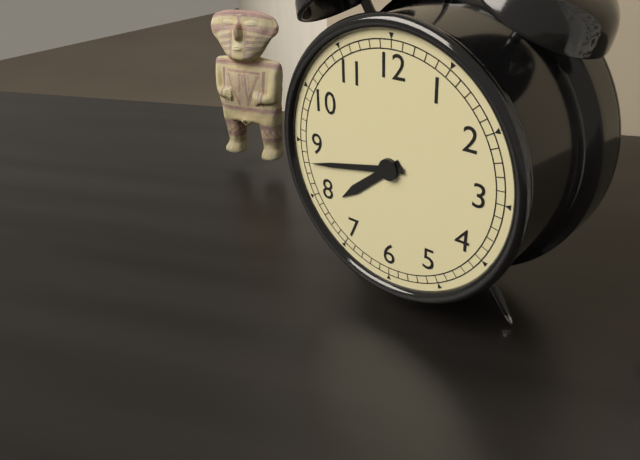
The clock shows 7.43
